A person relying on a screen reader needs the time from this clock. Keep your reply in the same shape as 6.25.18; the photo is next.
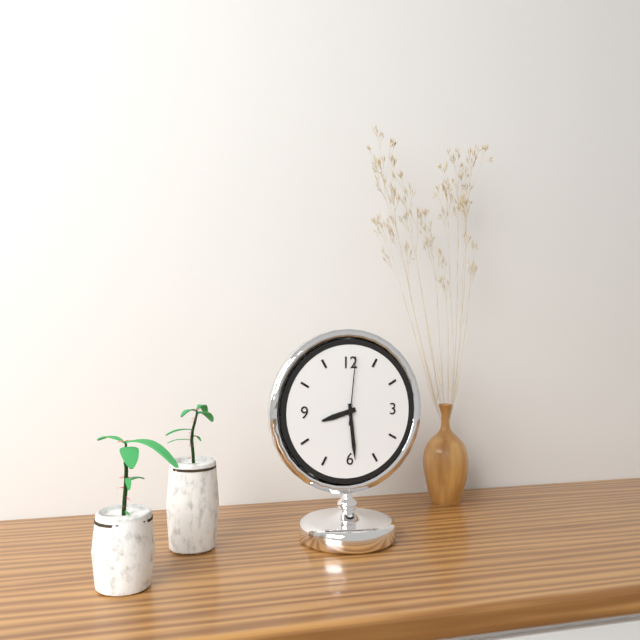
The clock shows 8.29.01
